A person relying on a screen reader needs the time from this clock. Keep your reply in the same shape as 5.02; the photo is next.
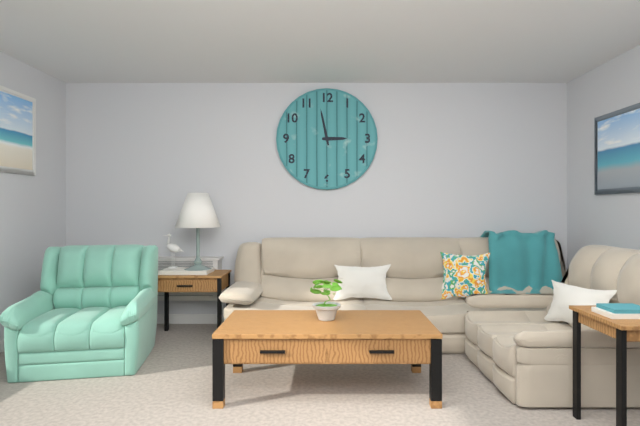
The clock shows 2.58
